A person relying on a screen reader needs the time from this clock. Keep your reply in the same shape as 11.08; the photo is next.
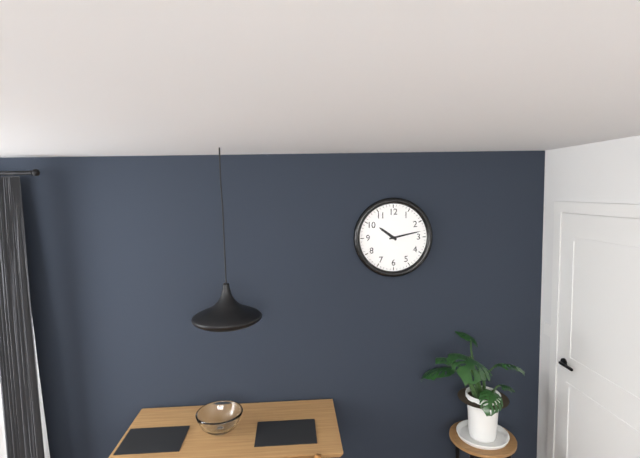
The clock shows 10.13
